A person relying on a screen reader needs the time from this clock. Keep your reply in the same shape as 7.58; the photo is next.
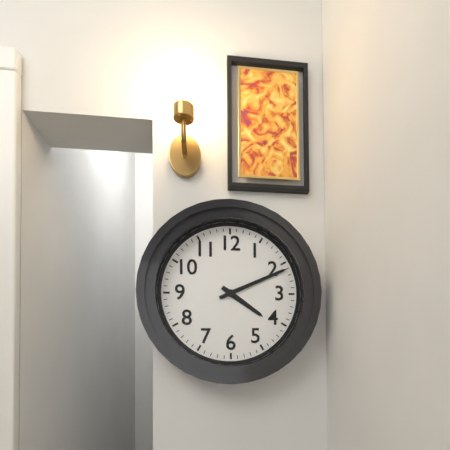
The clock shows 4.11
